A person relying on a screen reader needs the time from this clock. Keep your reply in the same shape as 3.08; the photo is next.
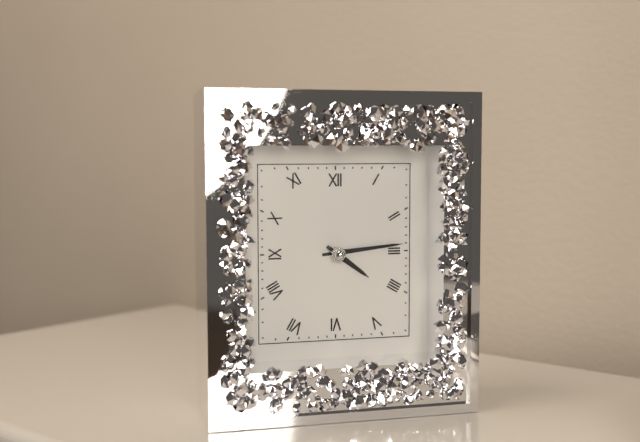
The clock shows 4.14
